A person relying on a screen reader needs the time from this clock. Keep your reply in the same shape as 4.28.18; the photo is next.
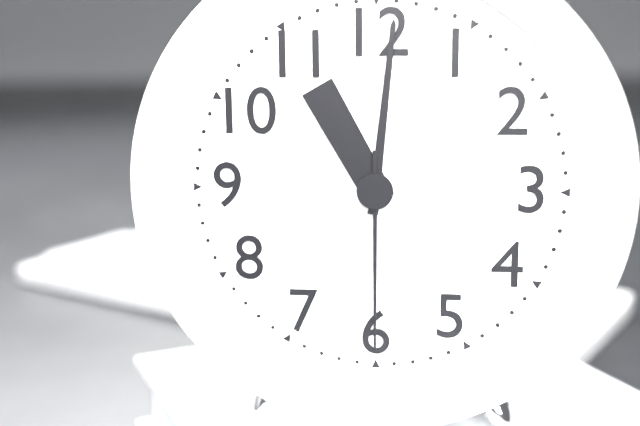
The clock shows 11.01.30
